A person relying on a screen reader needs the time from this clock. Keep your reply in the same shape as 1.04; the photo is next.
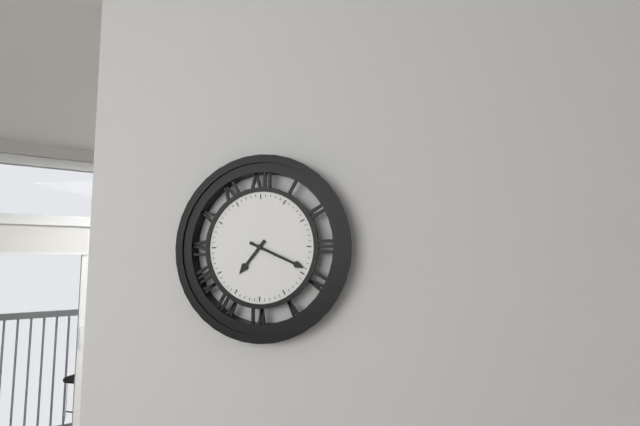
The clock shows 7.19
